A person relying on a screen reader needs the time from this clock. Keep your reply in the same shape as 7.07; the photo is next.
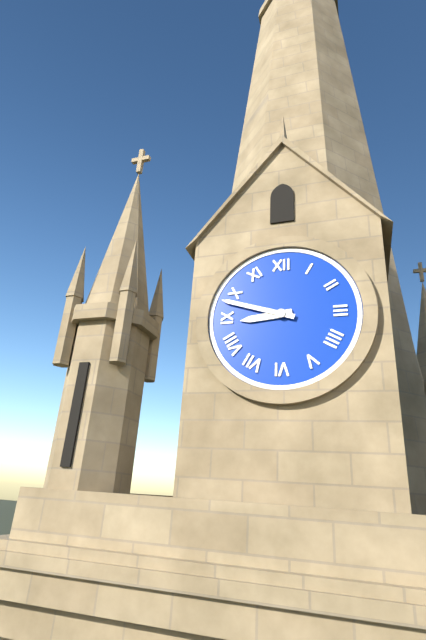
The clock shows 8.48
